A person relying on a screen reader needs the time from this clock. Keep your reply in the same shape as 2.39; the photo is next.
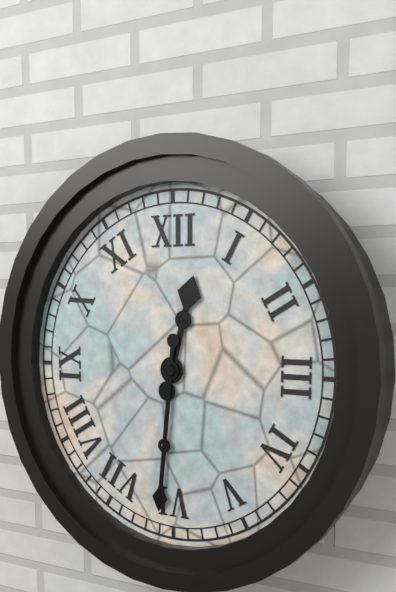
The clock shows 12.31
